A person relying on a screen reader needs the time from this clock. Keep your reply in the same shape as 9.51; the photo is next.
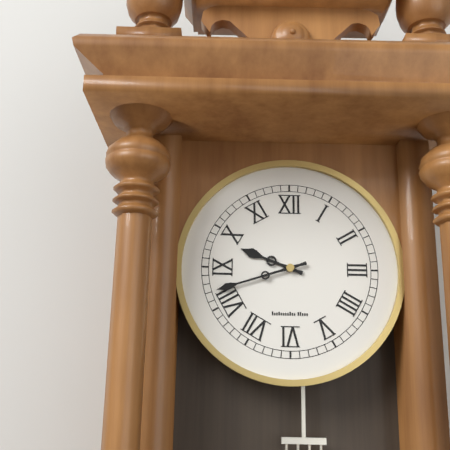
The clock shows 9.42
